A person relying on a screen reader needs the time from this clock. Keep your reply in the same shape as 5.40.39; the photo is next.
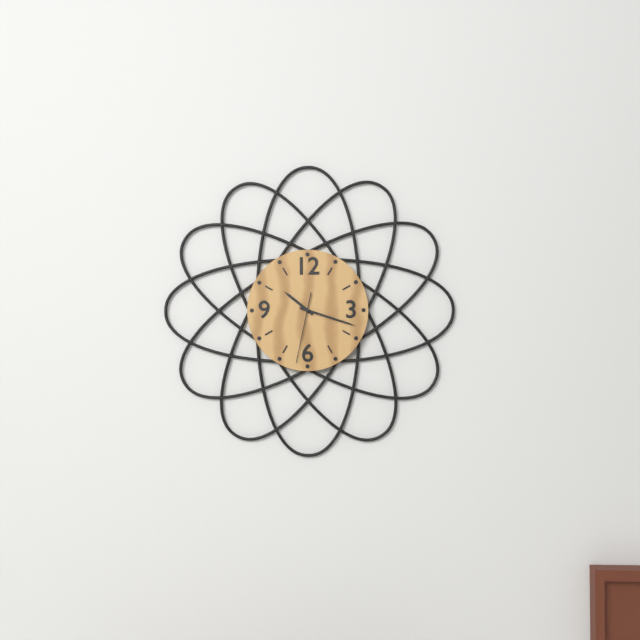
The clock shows 10.18.32
